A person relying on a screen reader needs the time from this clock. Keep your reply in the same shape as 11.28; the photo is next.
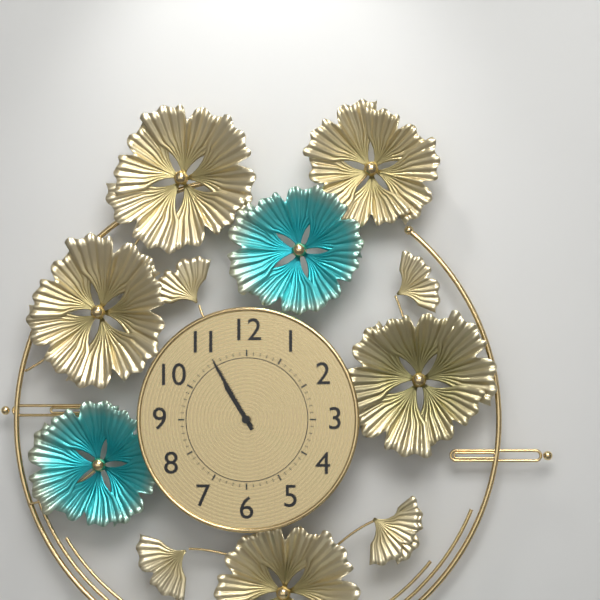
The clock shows 10.55
